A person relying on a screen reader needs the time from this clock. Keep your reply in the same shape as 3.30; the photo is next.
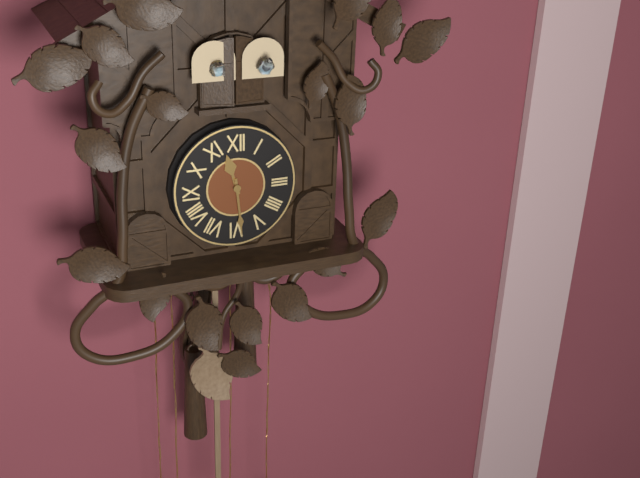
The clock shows 11.29
